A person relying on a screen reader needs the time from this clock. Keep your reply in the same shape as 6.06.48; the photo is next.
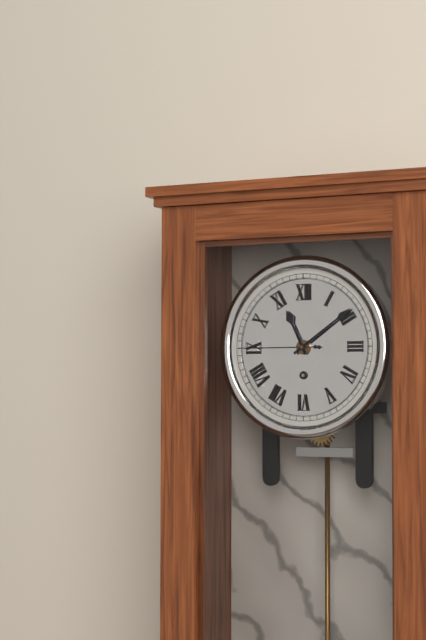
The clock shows 11.09.45
